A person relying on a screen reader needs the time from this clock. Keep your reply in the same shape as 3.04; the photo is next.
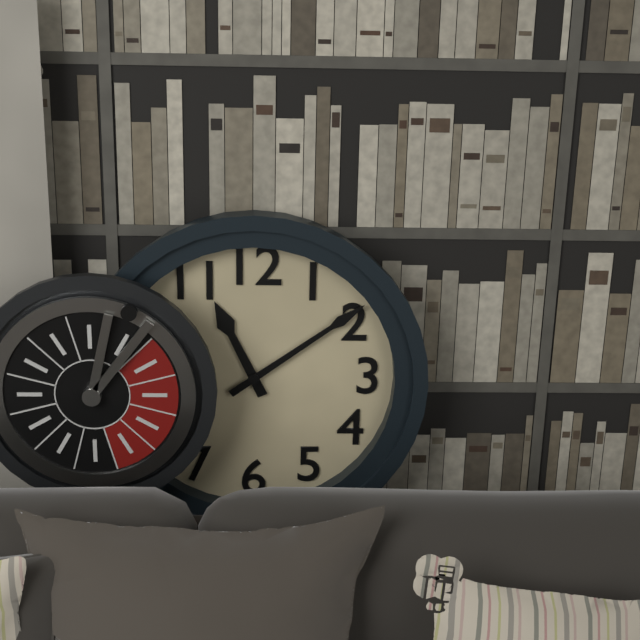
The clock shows 11.09
